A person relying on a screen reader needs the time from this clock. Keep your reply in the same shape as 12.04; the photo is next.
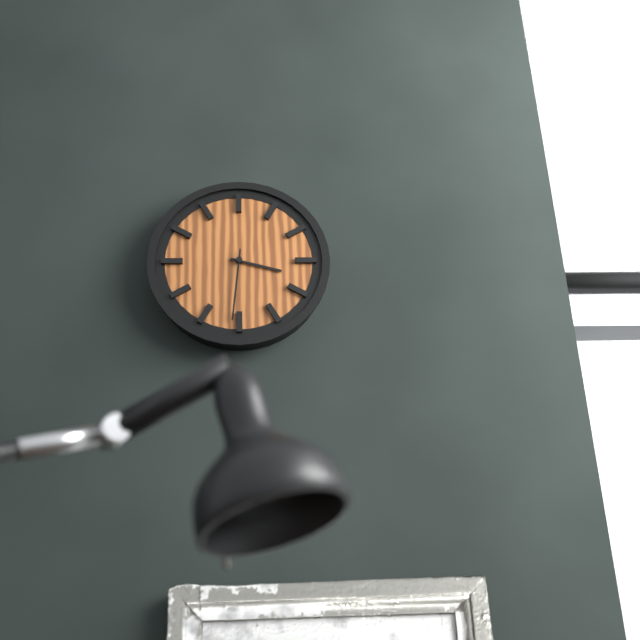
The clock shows 3.31
